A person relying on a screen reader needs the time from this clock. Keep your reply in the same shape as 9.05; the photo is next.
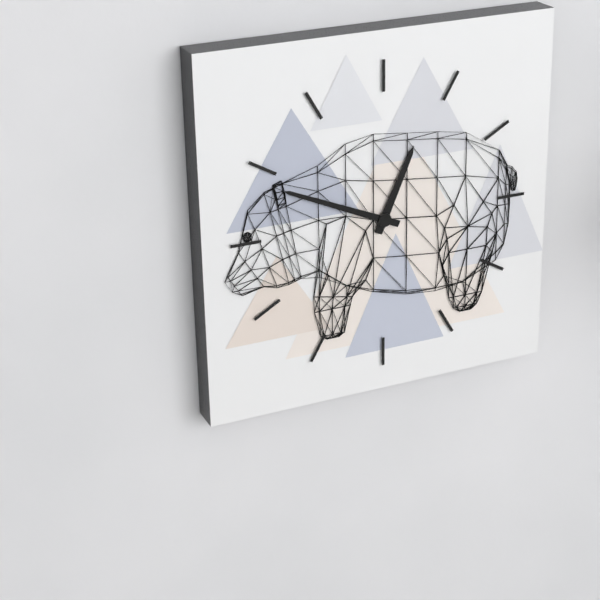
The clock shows 12.49
